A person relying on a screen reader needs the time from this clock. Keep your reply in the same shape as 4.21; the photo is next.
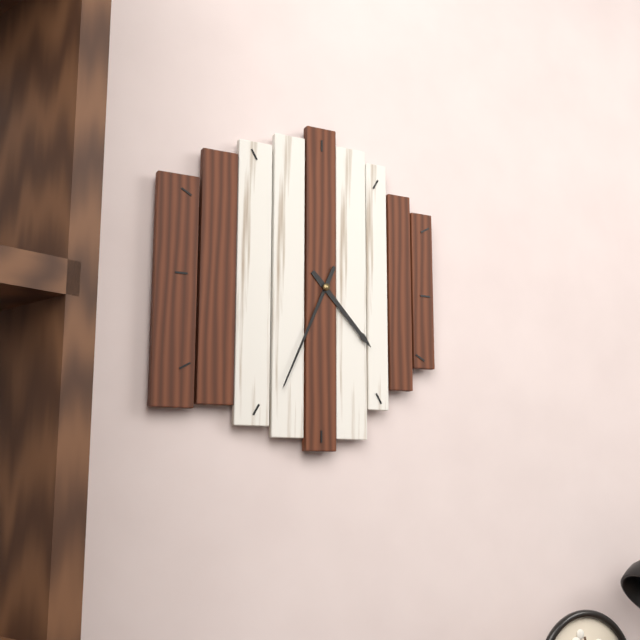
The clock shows 4.34
